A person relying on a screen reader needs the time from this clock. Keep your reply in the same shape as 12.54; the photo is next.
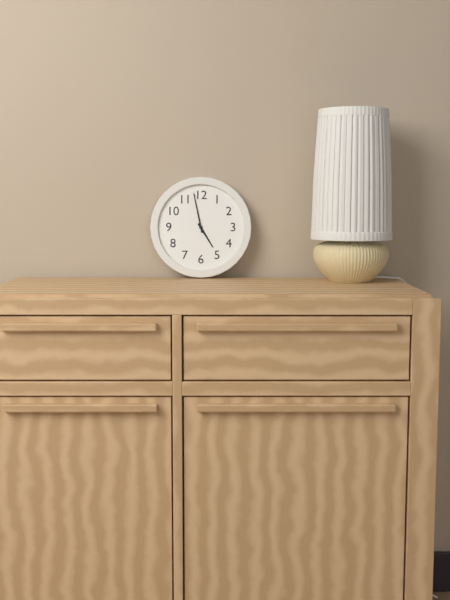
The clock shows 4.58
